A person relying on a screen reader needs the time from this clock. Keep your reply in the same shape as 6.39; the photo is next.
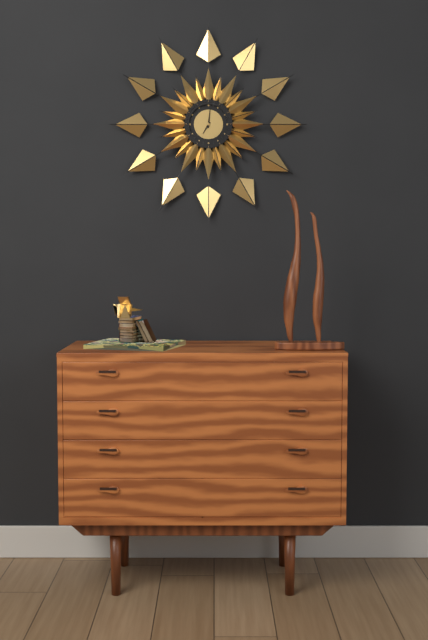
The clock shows 7.01
